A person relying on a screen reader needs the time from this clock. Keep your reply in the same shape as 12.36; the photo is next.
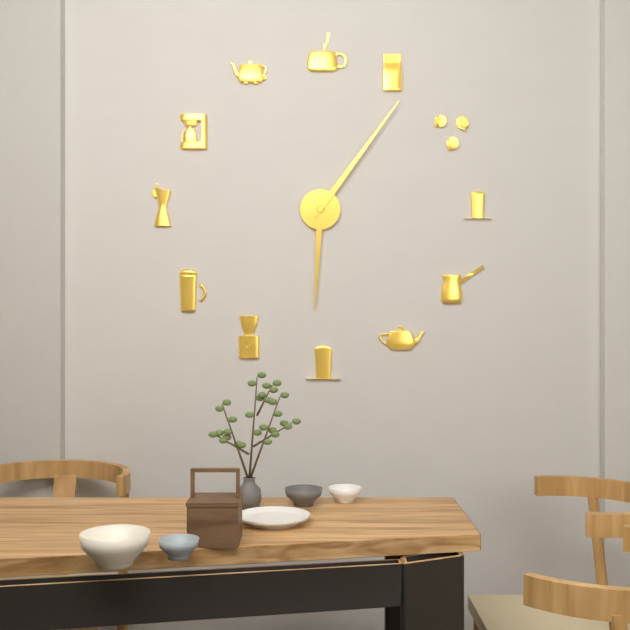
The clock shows 6.06
